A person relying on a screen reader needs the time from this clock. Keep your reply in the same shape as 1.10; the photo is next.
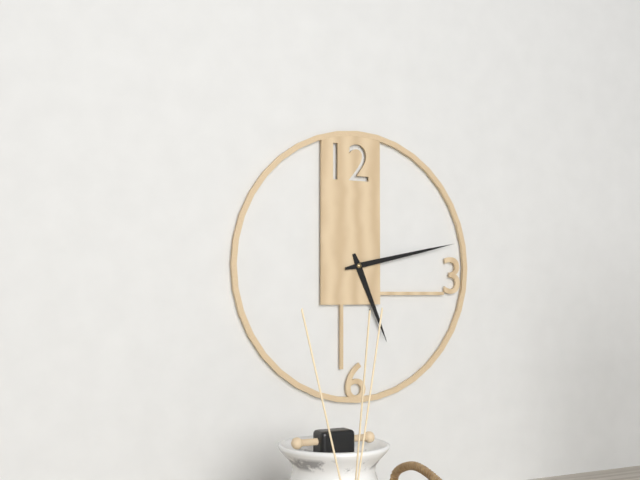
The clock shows 5.13
